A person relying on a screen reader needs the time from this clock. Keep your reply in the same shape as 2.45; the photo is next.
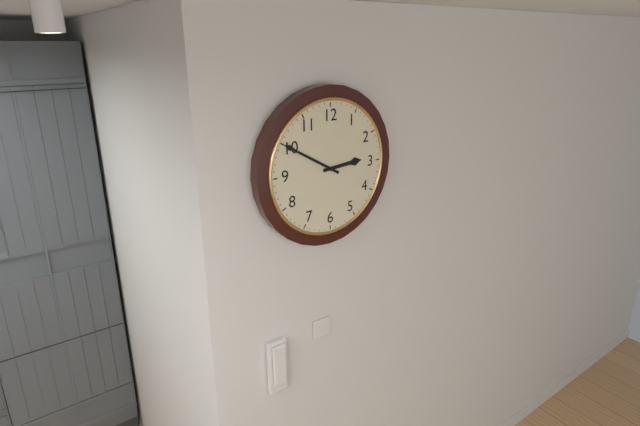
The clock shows 2.50
